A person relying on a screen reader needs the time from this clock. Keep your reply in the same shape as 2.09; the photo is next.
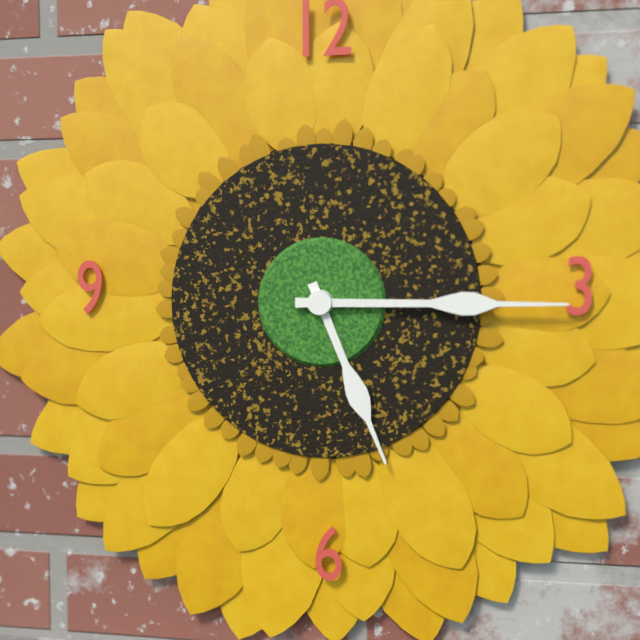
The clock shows 5.15
